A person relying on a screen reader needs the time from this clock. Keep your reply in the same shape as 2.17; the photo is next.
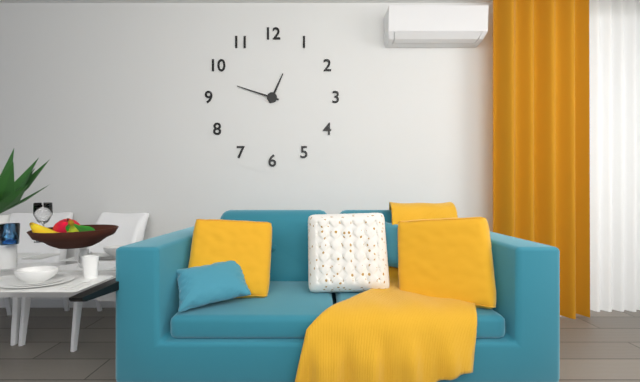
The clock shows 12.48
